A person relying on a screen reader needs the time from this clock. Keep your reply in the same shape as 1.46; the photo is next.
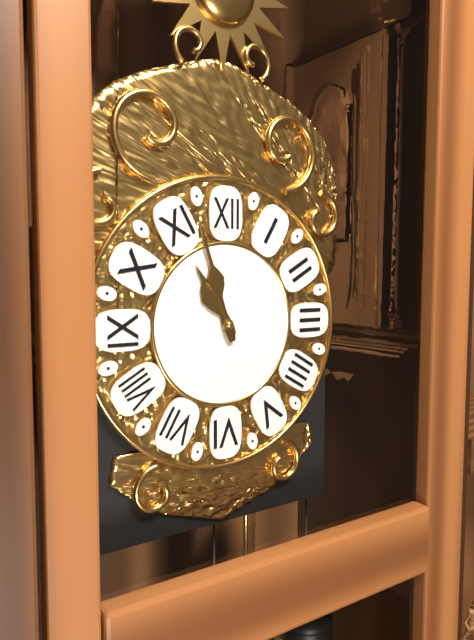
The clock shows 10.57
